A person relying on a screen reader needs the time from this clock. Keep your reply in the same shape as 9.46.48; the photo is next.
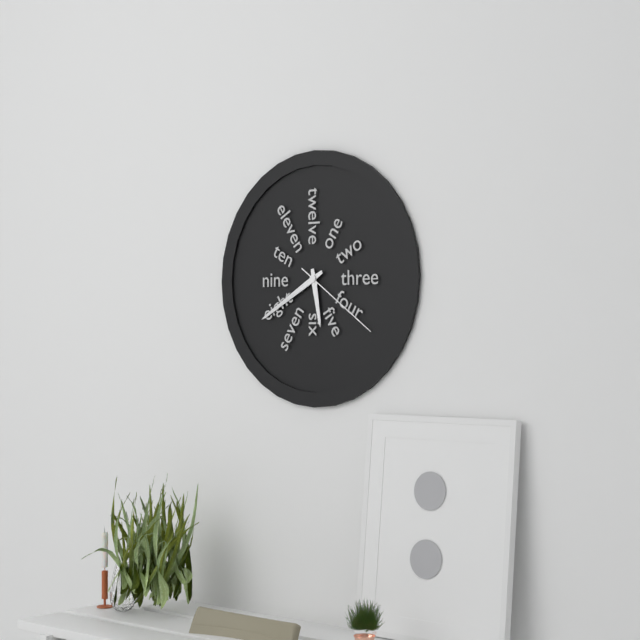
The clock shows 5.40.21
